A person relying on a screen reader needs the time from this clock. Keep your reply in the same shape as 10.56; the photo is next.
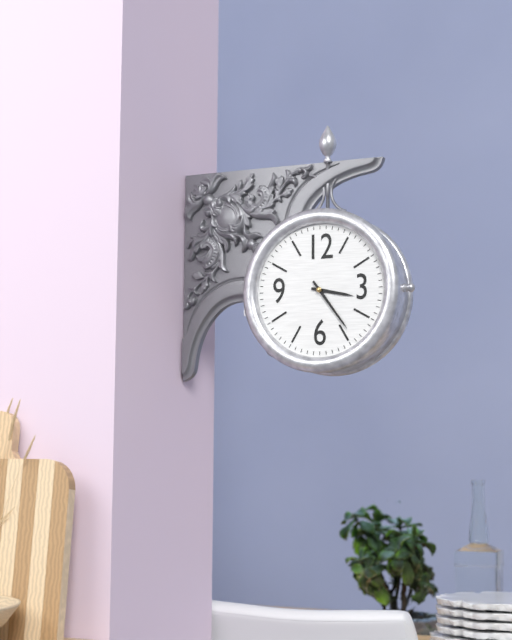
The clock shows 3.24
